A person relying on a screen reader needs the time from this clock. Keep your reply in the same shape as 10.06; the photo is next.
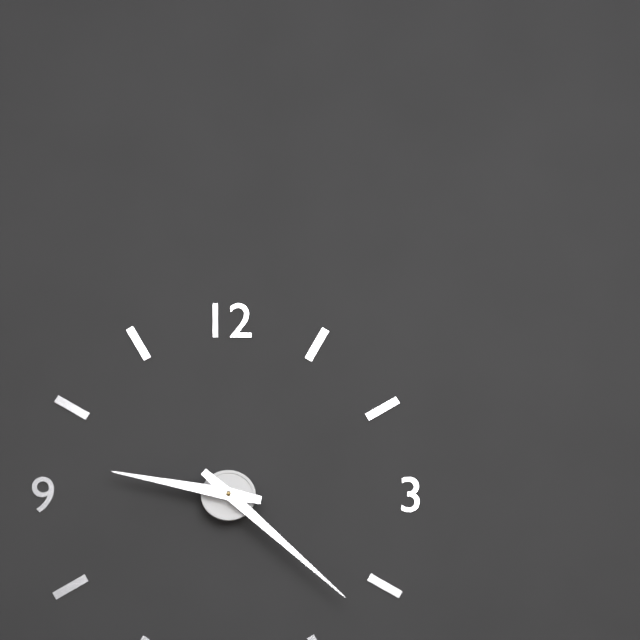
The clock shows 9.22
